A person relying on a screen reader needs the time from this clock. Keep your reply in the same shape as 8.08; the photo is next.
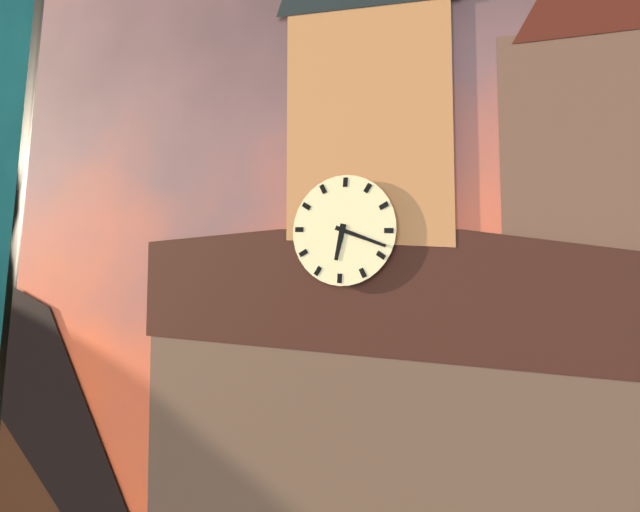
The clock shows 6.18
